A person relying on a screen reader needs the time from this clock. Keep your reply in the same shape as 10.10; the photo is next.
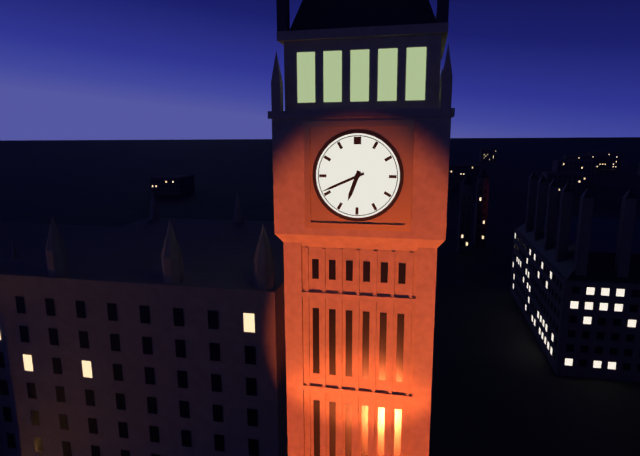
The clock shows 6.41
